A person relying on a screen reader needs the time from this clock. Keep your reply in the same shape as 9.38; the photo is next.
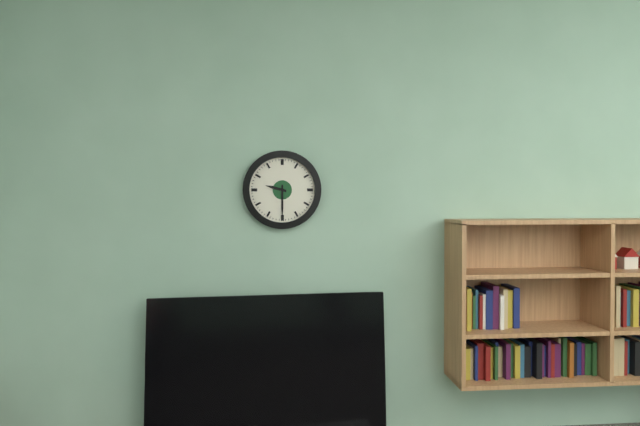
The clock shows 9.30
